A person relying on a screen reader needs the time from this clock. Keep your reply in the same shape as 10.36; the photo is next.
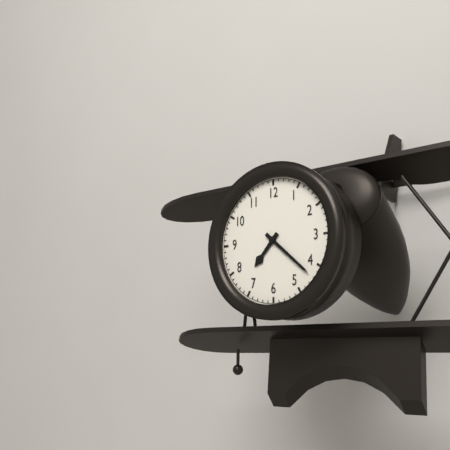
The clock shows 7.22
